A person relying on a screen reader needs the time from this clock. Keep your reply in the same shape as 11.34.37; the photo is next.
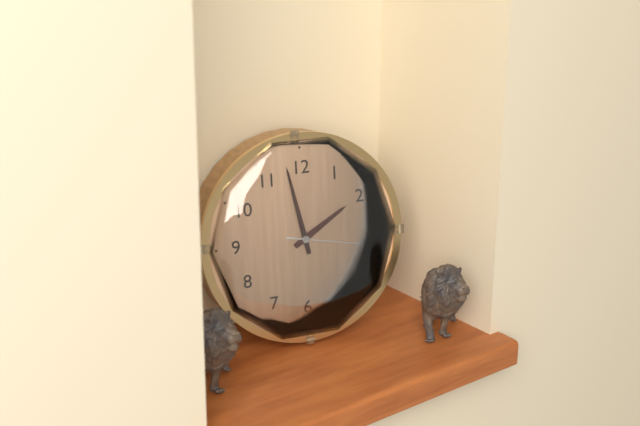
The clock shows 1.58.17
